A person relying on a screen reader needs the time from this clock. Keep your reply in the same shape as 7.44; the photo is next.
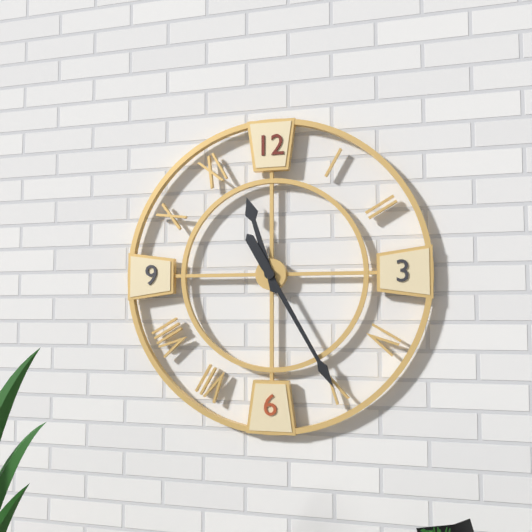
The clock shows 11.25
